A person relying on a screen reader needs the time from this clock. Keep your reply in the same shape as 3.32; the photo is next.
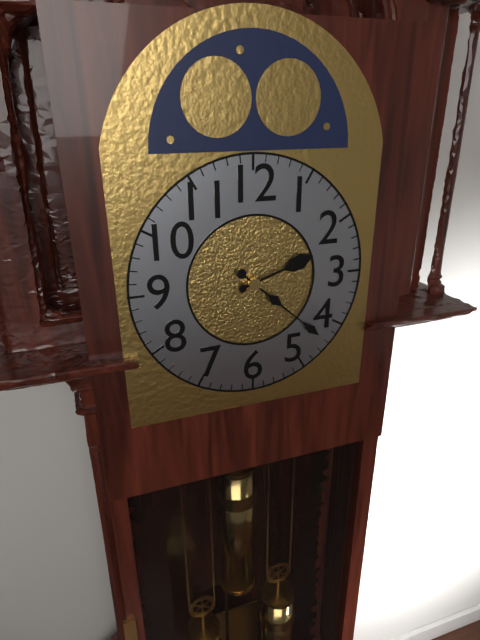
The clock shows 2.22
